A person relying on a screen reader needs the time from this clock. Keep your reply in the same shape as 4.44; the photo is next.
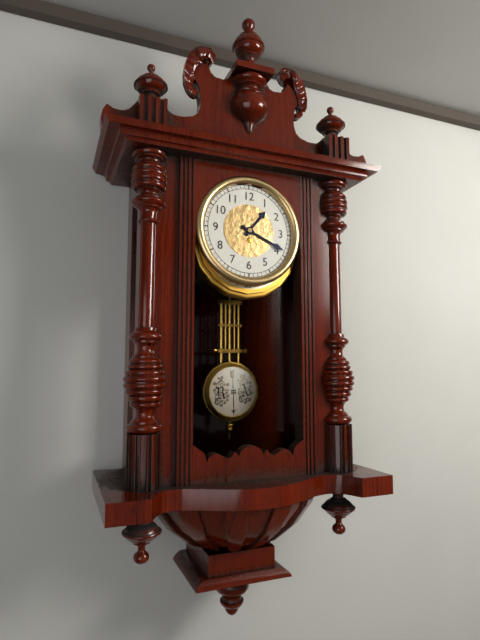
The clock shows 1.19
